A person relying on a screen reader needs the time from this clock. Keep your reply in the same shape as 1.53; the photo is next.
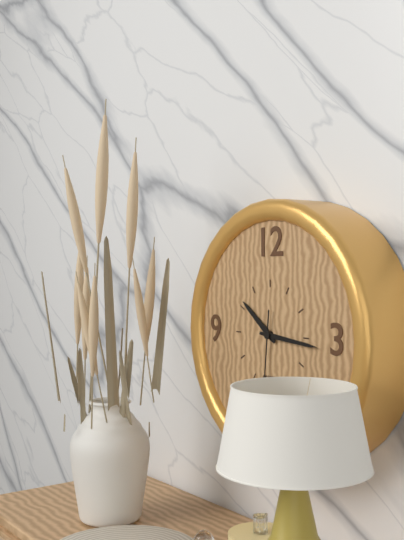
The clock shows 10.16
